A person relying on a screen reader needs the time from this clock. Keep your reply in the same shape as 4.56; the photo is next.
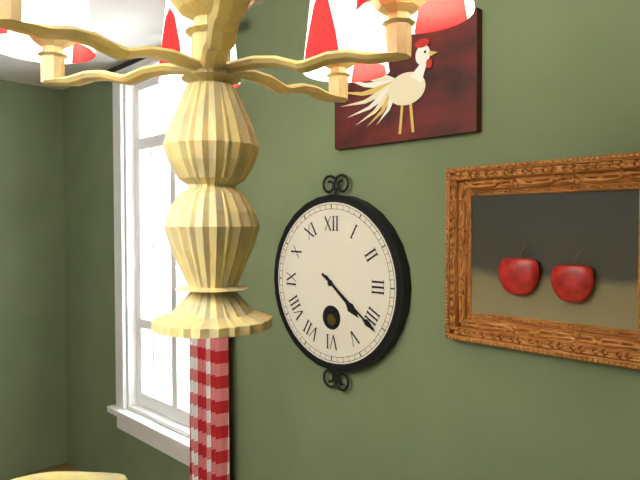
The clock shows 4.21
